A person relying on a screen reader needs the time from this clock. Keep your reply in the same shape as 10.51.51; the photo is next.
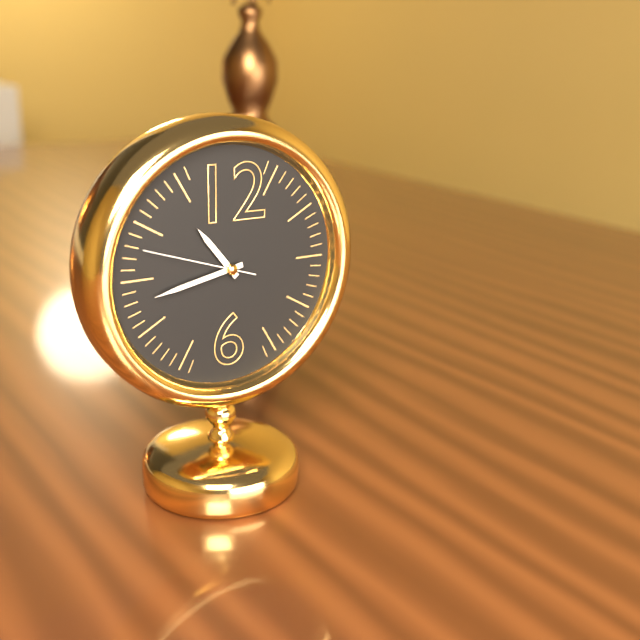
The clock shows 10.43.48
